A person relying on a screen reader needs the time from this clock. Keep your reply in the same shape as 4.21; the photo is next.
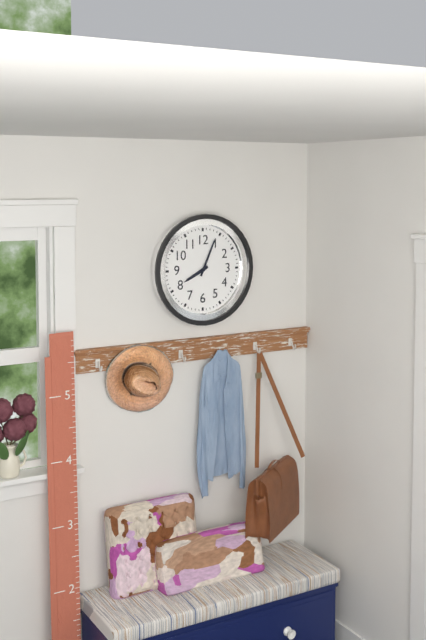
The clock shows 8.04
